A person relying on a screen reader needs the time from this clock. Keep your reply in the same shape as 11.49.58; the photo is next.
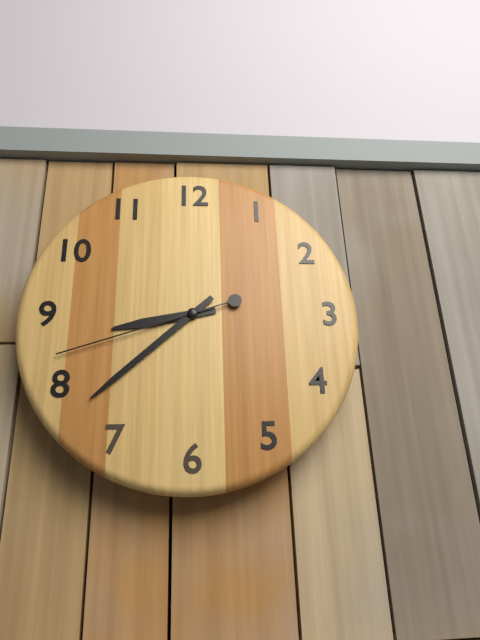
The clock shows 8.38.42
